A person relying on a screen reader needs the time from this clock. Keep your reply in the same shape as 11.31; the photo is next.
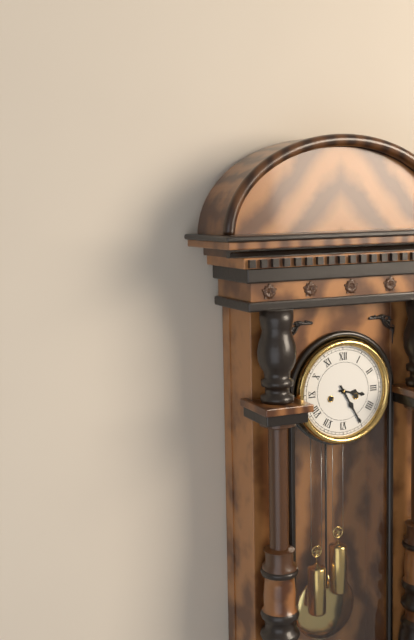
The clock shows 3.25
